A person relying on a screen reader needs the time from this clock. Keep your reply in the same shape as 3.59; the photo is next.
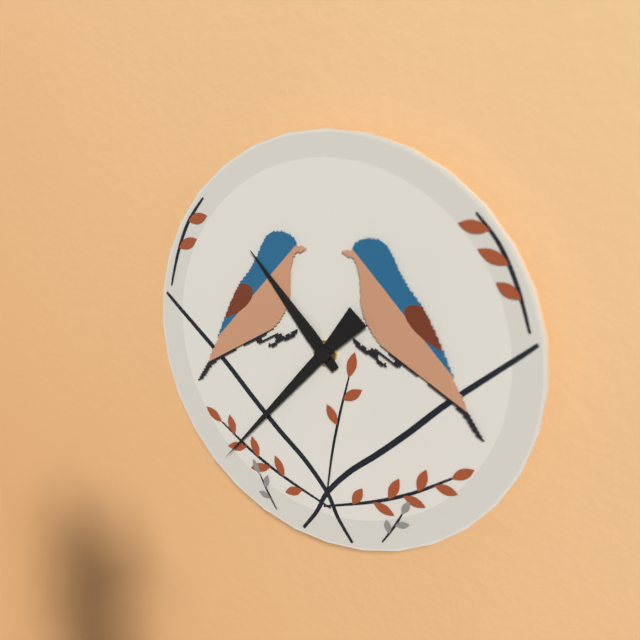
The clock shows 10.37
